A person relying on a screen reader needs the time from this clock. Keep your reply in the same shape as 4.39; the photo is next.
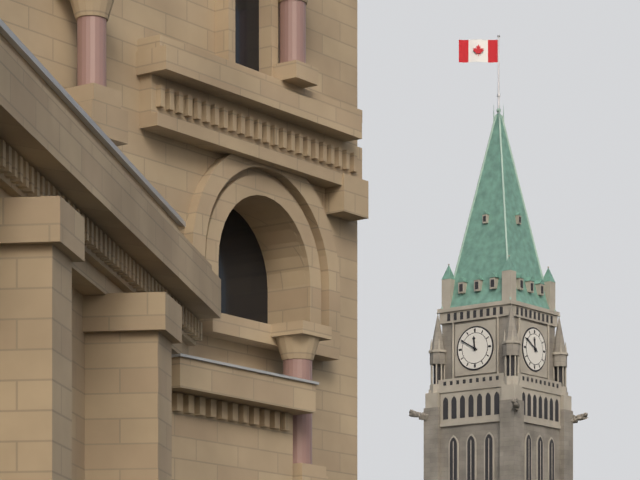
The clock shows 11.50
